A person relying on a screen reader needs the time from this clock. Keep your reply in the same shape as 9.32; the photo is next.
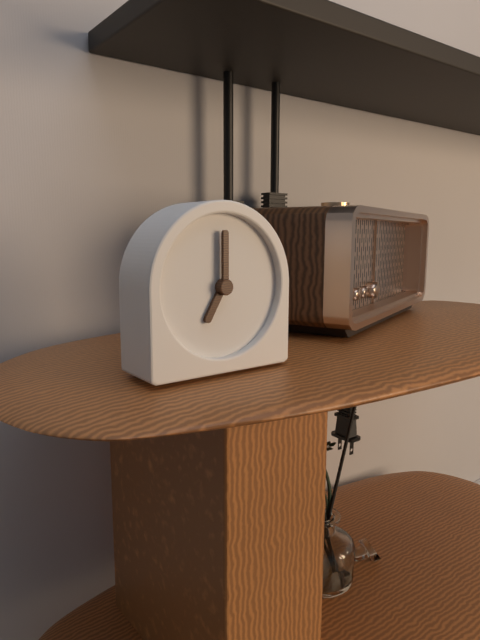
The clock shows 7.00
